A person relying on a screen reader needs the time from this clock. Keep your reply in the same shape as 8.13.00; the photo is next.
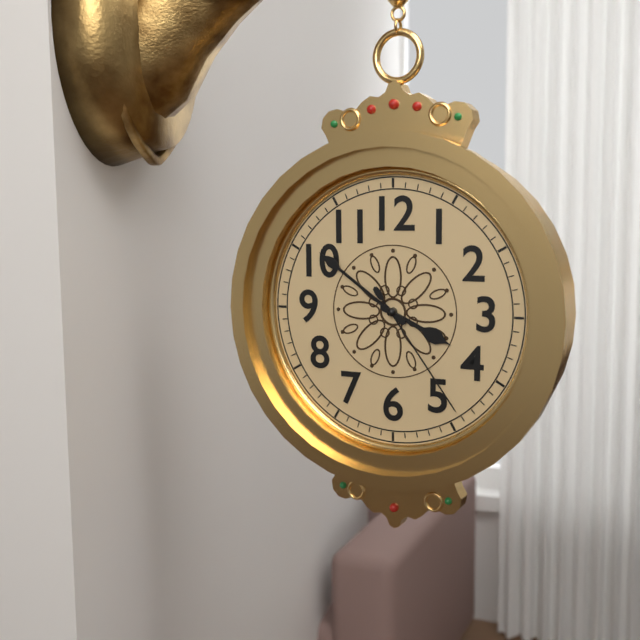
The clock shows 3.51.24
